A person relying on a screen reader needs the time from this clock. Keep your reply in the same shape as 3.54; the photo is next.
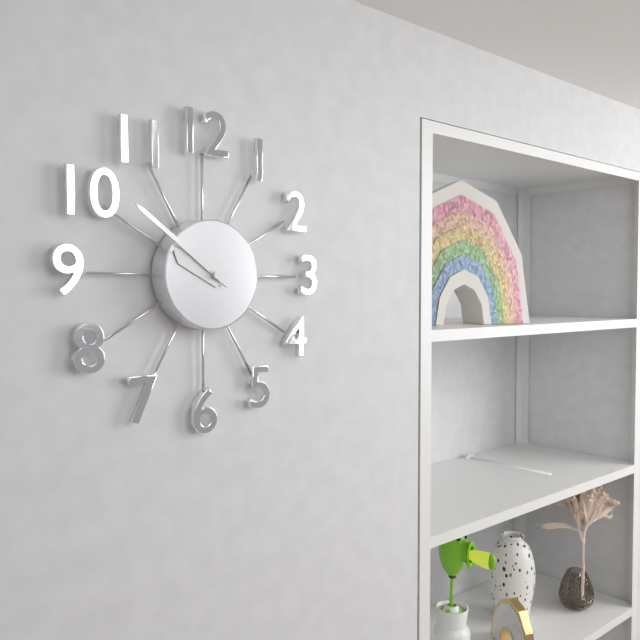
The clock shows 9.51
